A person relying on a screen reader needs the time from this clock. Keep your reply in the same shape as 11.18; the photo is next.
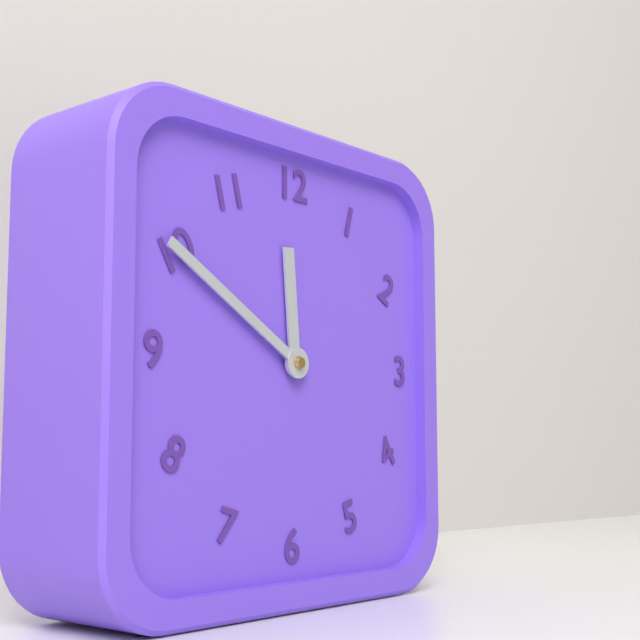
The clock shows 11.50
